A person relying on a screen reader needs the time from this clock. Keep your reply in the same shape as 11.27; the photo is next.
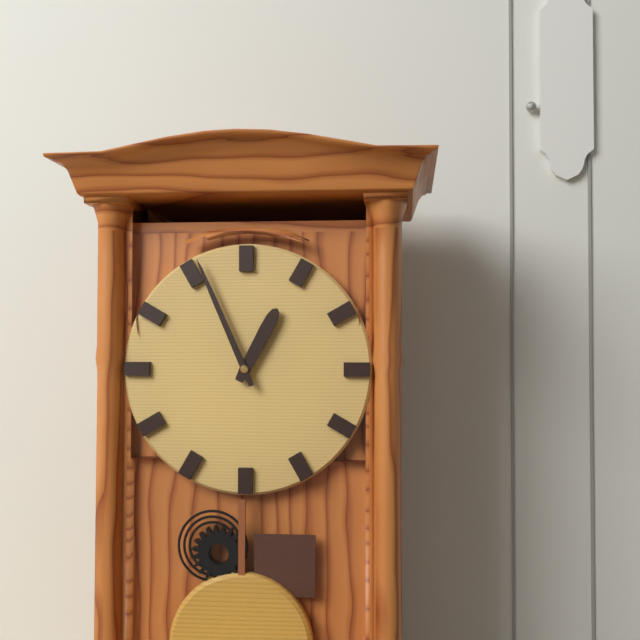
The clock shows 12.56
